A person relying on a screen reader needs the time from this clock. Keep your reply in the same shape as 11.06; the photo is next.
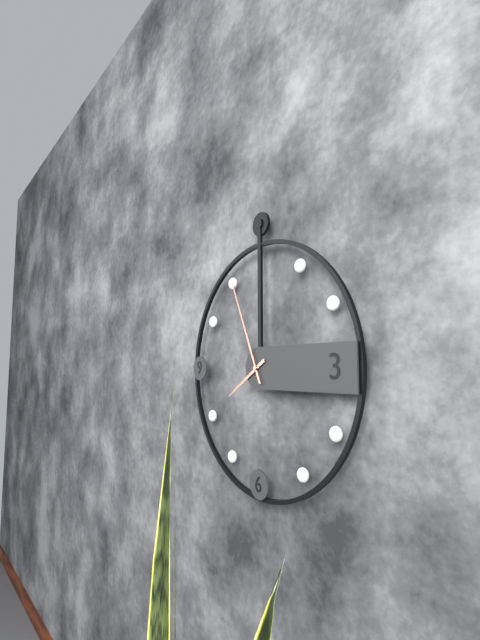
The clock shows 7.56
